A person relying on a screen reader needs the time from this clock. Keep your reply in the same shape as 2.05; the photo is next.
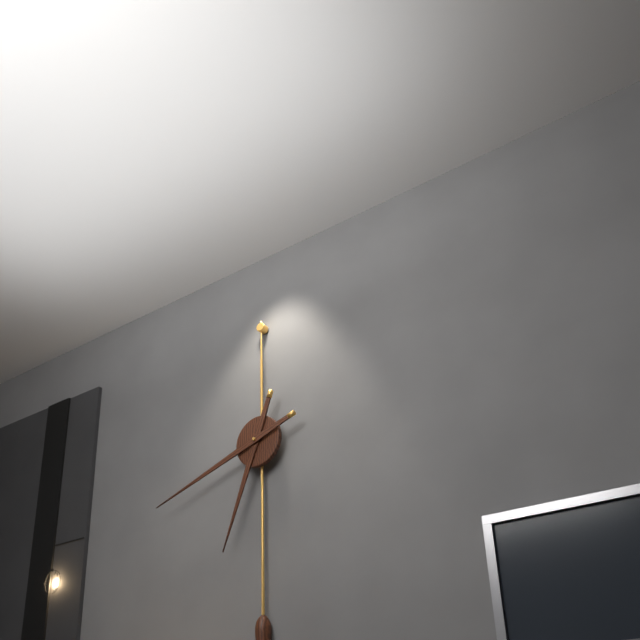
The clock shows 6.42
